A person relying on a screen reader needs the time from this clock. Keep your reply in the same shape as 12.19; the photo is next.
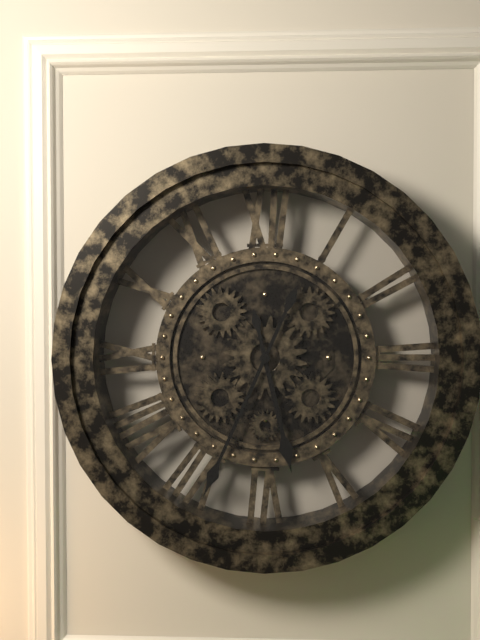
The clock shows 5.34
